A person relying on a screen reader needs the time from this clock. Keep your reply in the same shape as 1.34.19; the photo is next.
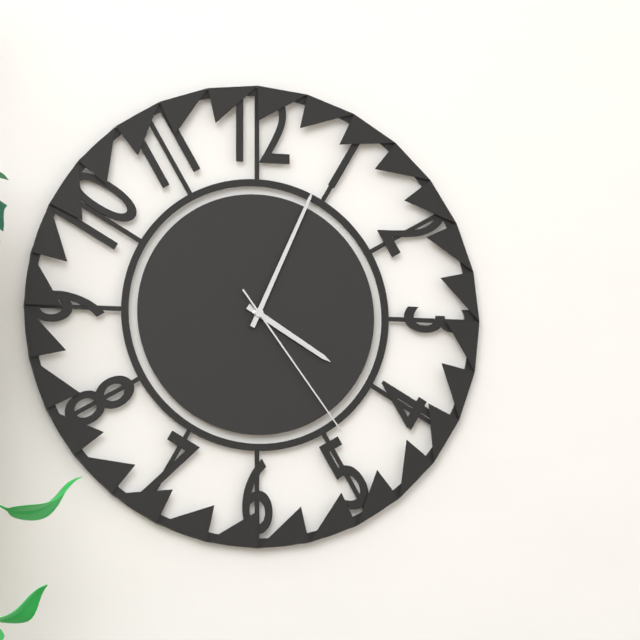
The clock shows 4.04.24
